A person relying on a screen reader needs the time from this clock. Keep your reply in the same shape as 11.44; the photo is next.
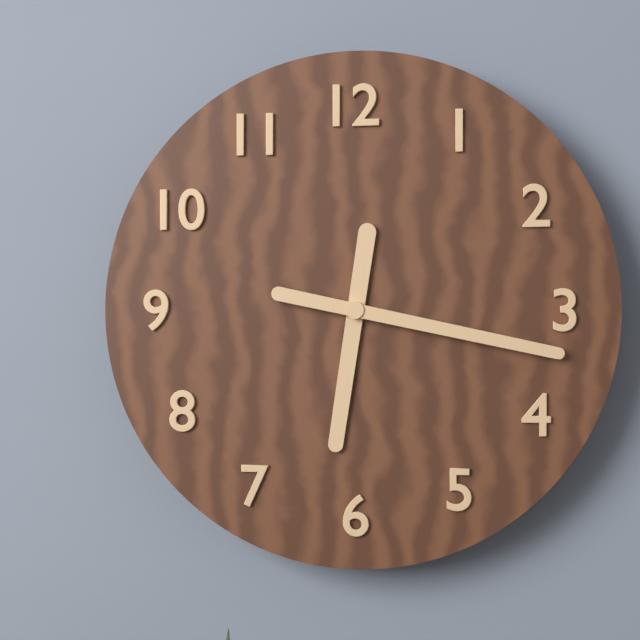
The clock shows 6.17
